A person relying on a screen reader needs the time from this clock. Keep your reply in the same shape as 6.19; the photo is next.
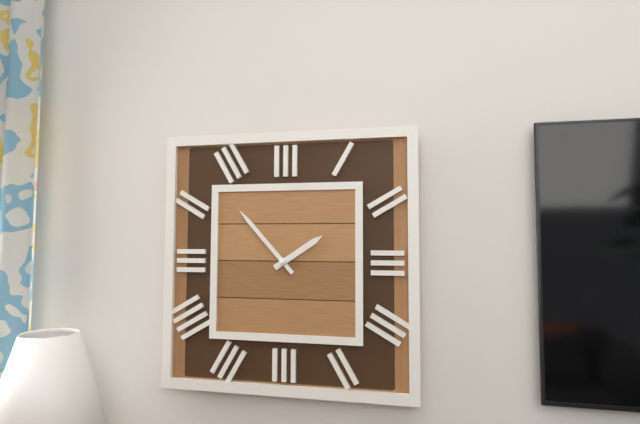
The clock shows 1.53
